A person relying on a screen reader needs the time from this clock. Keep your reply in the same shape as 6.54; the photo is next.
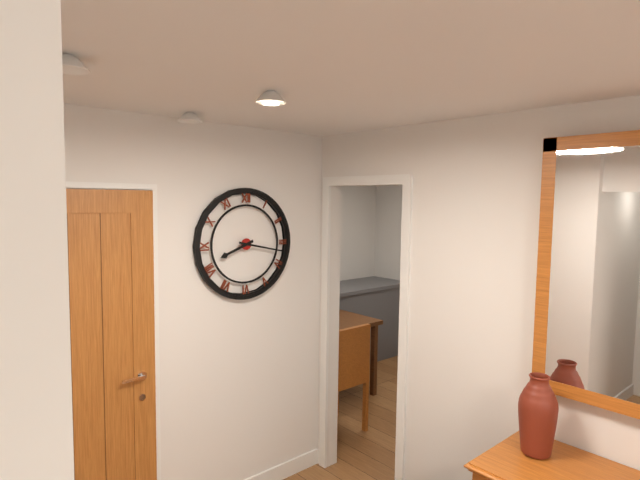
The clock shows 8.17
